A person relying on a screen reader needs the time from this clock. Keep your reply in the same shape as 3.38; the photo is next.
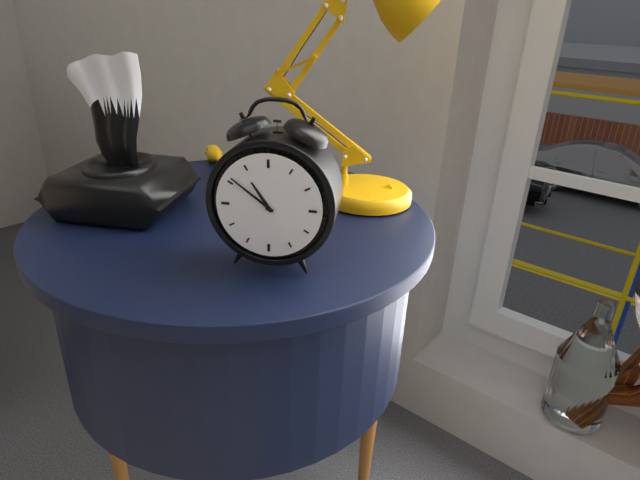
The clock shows 10.51
